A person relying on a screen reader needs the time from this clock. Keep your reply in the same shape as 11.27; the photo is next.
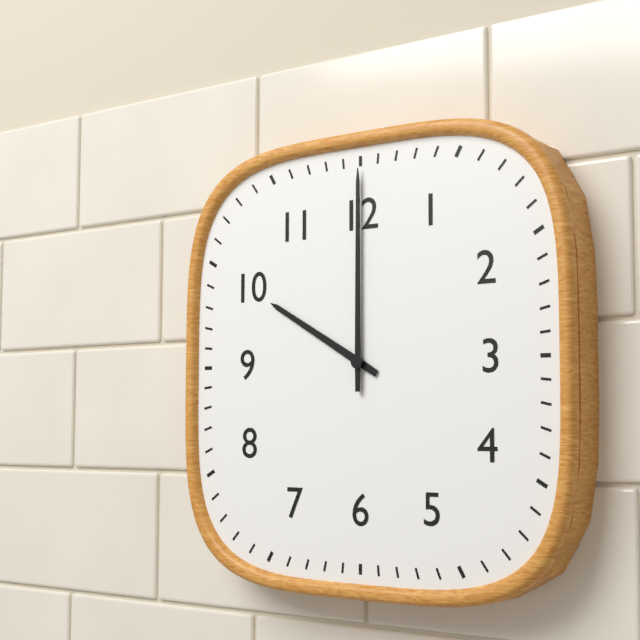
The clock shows 10.00
